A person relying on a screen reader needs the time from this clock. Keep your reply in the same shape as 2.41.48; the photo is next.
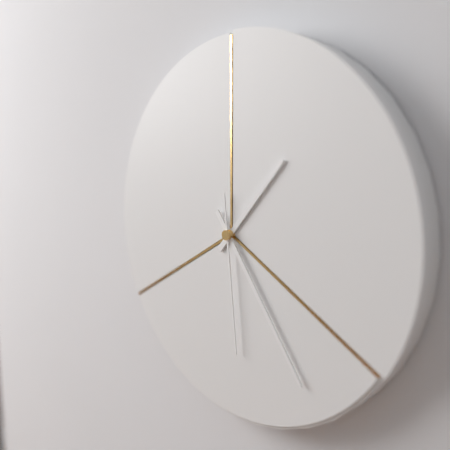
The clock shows 1.24.29
